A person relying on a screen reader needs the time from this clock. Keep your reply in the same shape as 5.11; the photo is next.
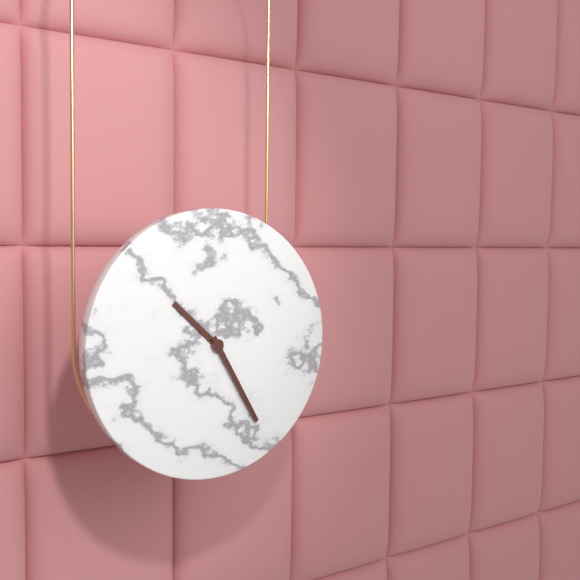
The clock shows 10.25
